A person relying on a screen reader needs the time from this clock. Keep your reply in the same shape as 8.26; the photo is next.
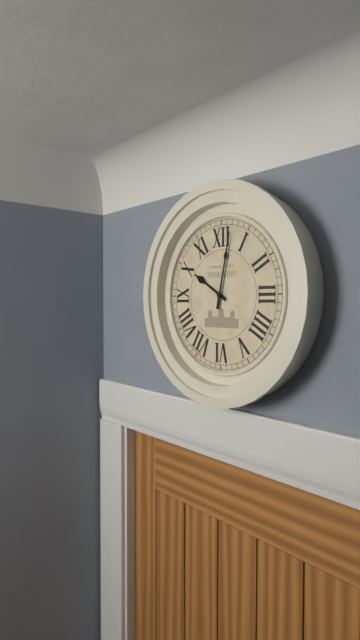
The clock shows 10.02
